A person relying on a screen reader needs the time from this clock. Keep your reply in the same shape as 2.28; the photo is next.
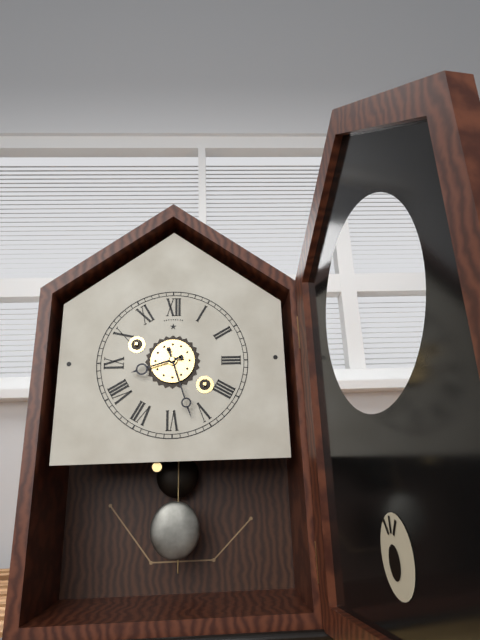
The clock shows 8.27
